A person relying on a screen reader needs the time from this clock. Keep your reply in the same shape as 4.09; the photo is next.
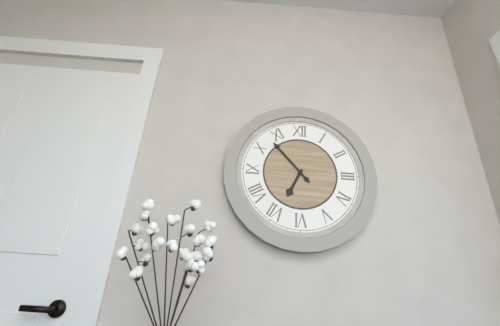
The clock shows 6.53
